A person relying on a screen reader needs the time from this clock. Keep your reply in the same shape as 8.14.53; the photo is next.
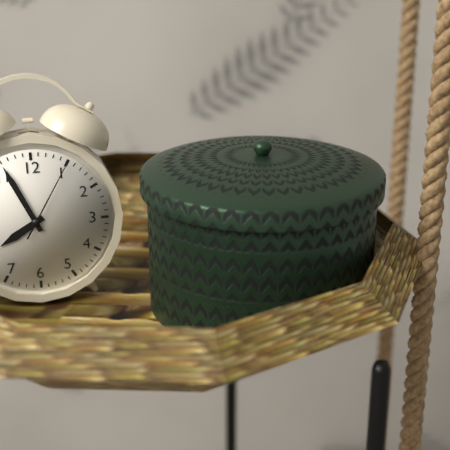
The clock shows 7.56.05
